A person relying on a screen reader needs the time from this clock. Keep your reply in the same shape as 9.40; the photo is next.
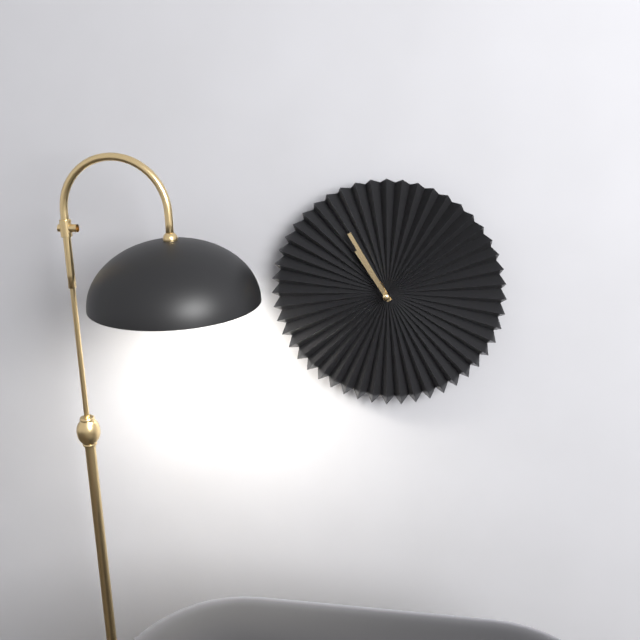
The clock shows 10.55
